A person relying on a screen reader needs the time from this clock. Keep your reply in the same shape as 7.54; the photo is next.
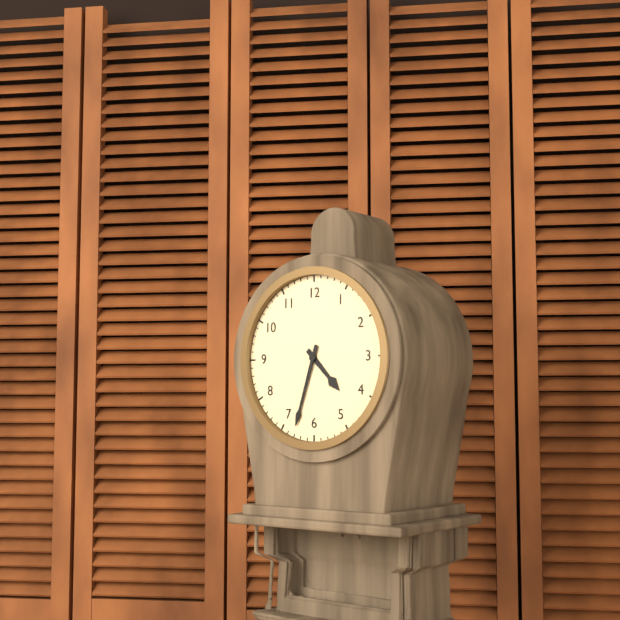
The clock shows 4.33
